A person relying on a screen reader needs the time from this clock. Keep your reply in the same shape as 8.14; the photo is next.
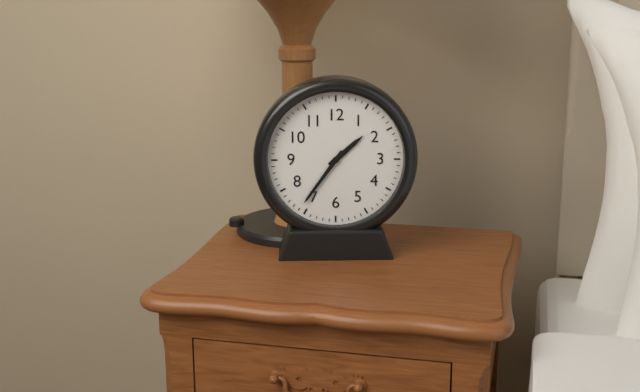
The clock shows 1.36
